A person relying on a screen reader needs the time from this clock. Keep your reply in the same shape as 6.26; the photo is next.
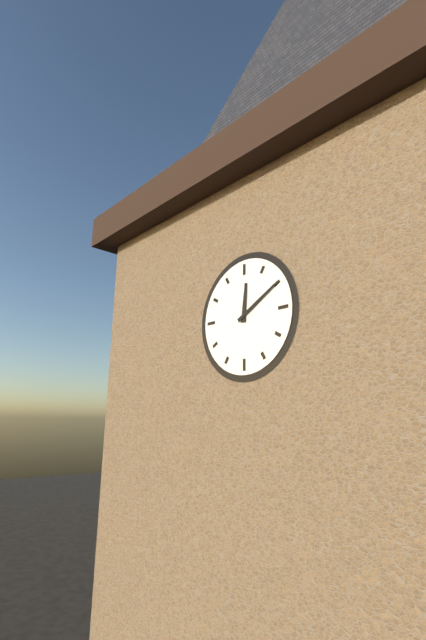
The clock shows 12.10
